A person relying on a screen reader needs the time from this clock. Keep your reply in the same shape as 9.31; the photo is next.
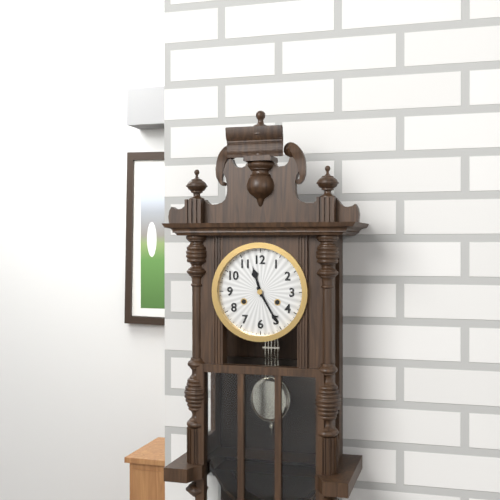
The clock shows 11.25
